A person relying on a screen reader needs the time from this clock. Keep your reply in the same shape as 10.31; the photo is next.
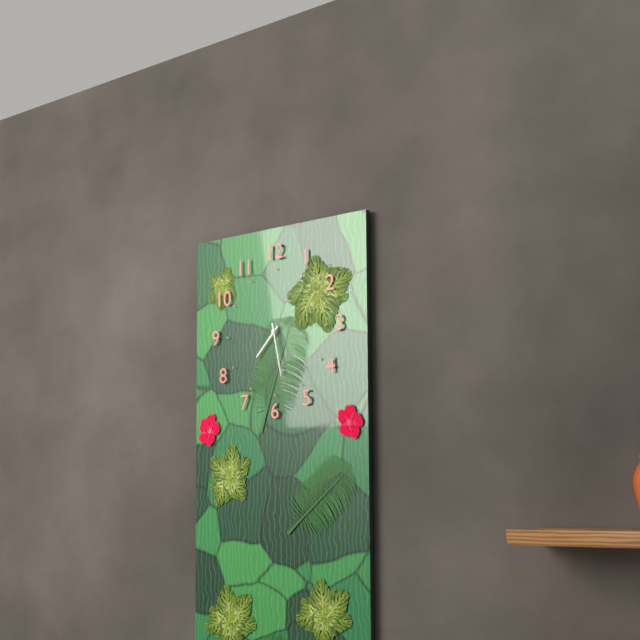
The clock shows 7.28
